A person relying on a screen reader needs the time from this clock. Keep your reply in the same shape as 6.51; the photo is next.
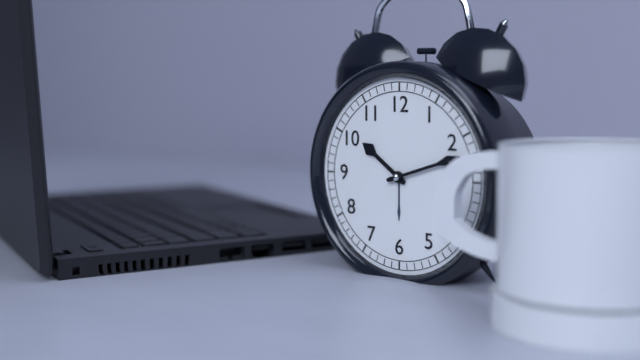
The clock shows 10.12
